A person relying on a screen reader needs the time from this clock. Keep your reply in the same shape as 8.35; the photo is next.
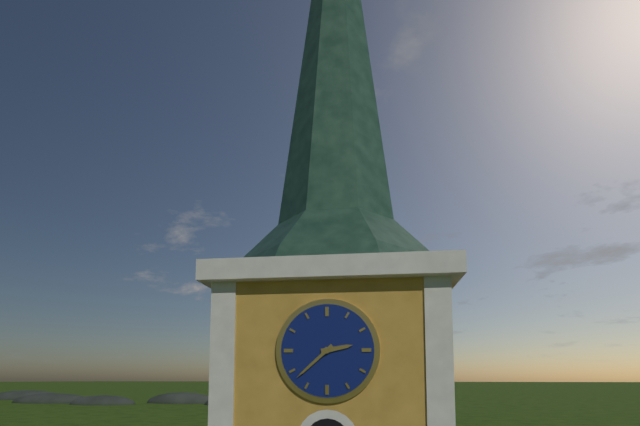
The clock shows 2.38
